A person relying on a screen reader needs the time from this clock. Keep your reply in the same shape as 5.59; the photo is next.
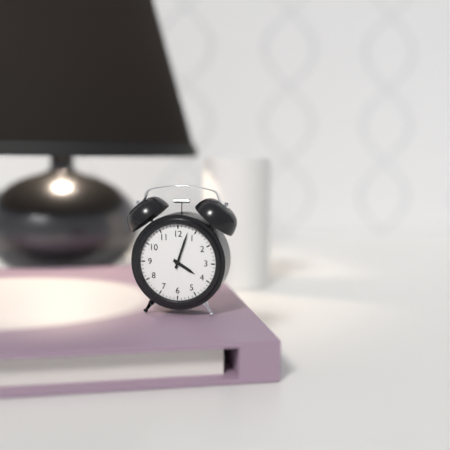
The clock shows 4.03
